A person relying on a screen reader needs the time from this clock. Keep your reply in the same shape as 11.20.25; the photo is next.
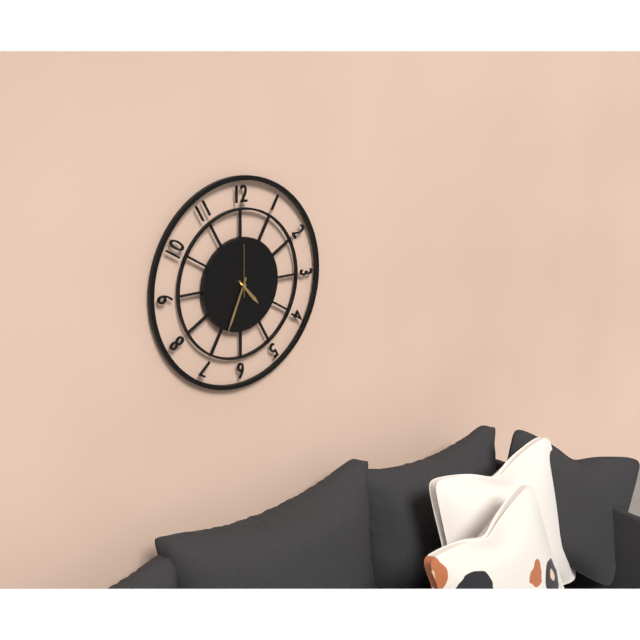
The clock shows 4.34.00
